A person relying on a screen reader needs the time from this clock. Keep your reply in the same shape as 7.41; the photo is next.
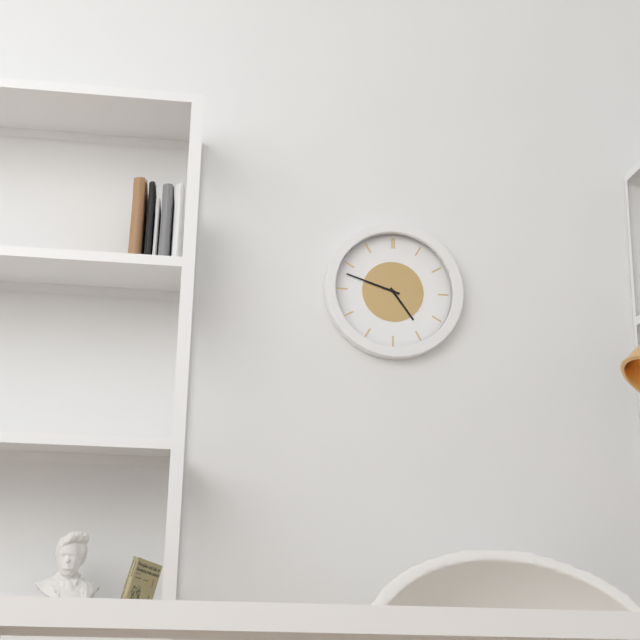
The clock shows 4.48
